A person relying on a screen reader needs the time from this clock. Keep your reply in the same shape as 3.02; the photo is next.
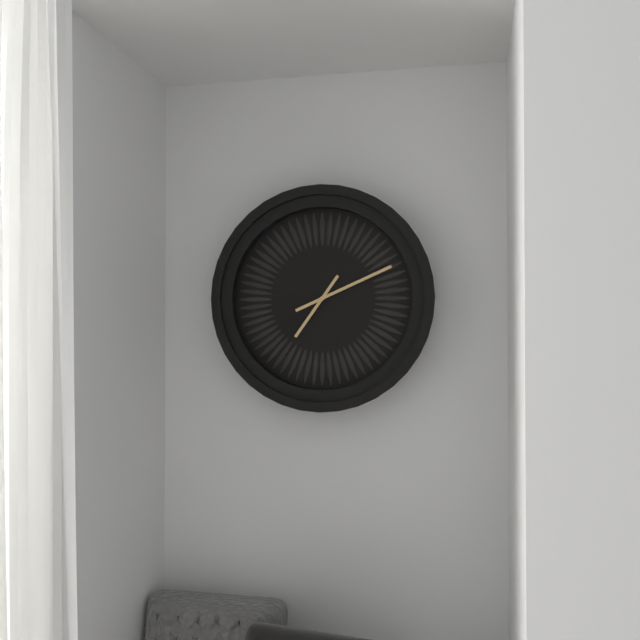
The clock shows 7.11
